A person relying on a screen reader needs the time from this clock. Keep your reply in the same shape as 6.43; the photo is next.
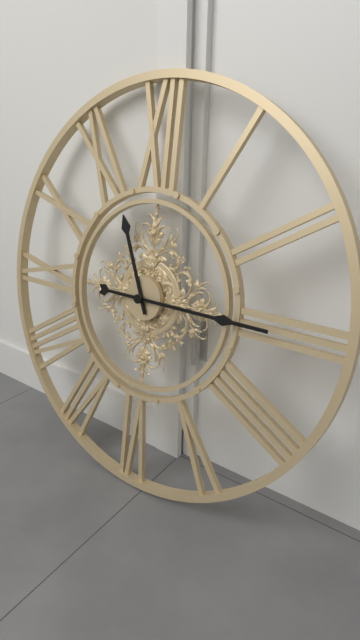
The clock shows 11.15
